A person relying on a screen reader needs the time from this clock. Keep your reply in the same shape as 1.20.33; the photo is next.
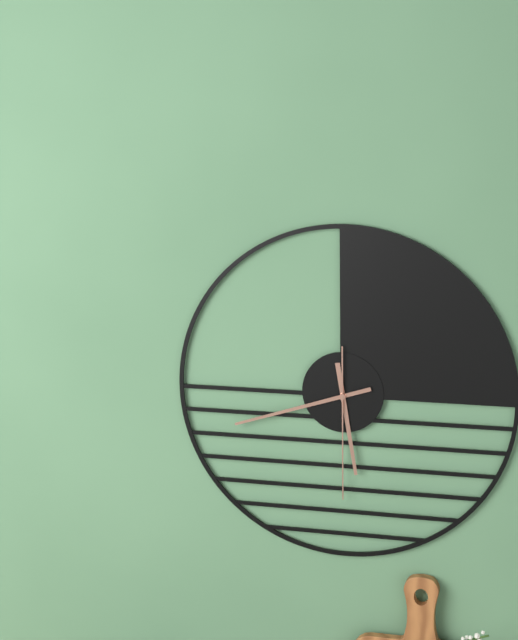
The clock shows 5.42.30
